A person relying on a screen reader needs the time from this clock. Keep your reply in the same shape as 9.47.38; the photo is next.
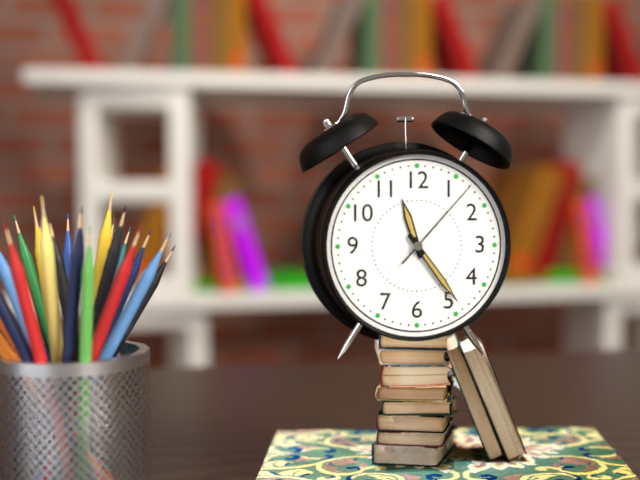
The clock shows 11.24.07
